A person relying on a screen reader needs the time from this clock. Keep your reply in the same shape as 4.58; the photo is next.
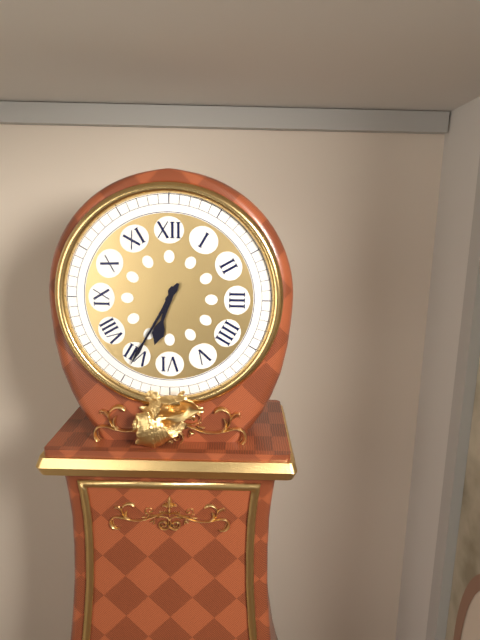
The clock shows 6.35
